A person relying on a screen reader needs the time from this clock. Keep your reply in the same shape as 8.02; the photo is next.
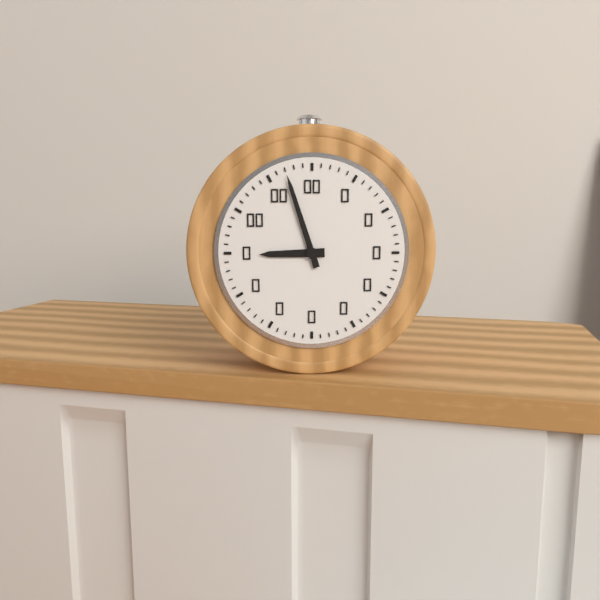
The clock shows 8.57
